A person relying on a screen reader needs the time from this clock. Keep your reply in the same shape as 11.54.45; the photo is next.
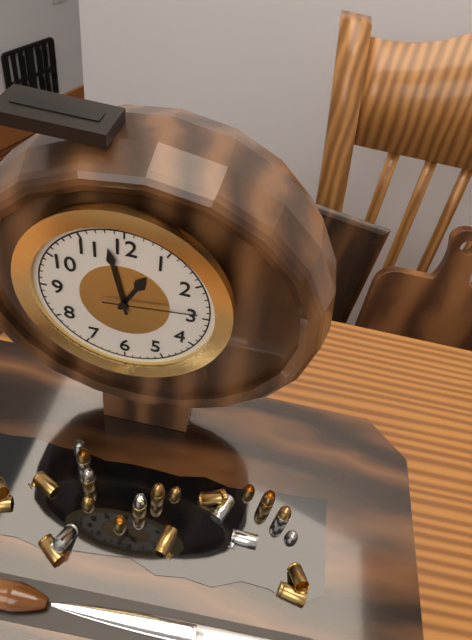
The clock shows 12.58.14
